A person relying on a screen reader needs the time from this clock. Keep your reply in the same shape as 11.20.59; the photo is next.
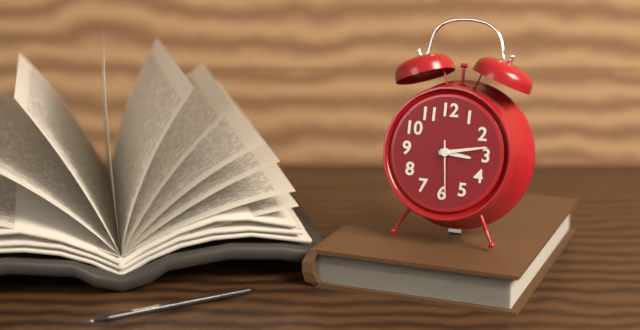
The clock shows 3.13.29
